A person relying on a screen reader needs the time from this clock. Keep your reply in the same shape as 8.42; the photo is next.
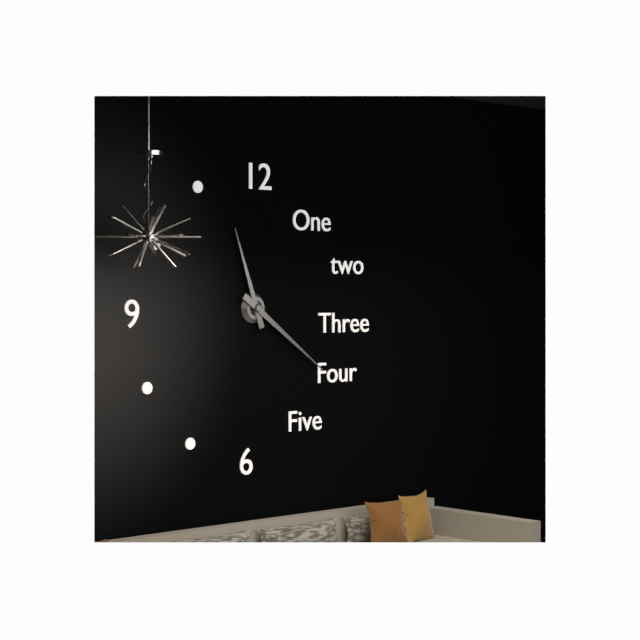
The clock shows 11.21
